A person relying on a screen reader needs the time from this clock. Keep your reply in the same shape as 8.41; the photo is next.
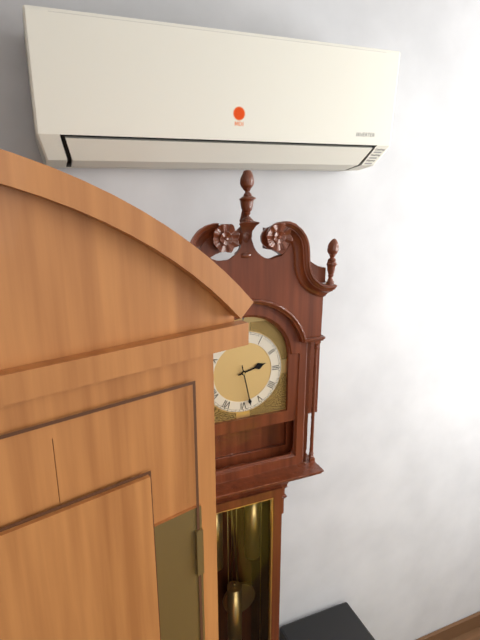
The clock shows 2.28
